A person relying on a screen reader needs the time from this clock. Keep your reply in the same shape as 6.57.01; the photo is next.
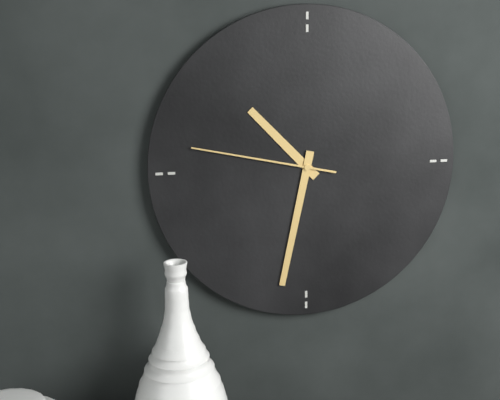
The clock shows 10.32.47
